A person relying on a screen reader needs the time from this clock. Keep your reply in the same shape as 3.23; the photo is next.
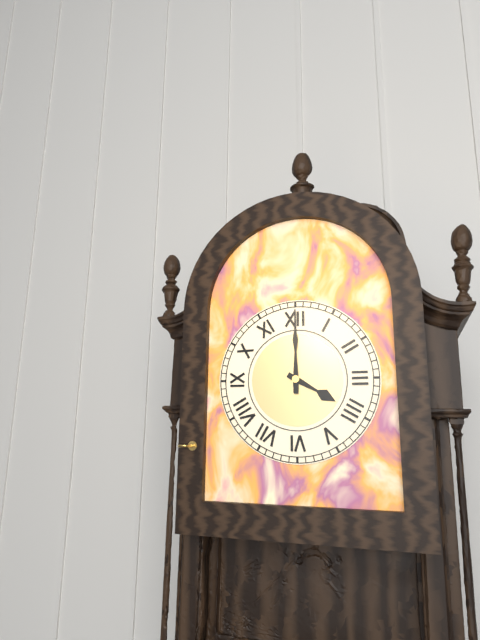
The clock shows 4.00
